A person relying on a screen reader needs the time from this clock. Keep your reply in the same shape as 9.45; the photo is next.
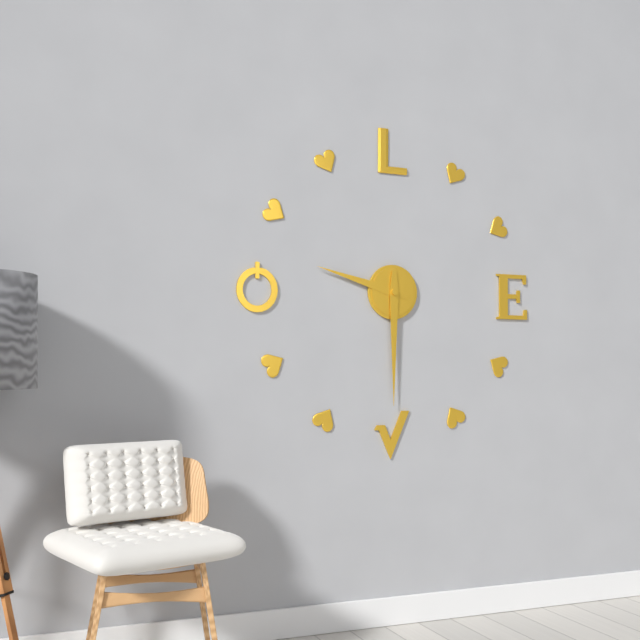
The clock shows 9.30
